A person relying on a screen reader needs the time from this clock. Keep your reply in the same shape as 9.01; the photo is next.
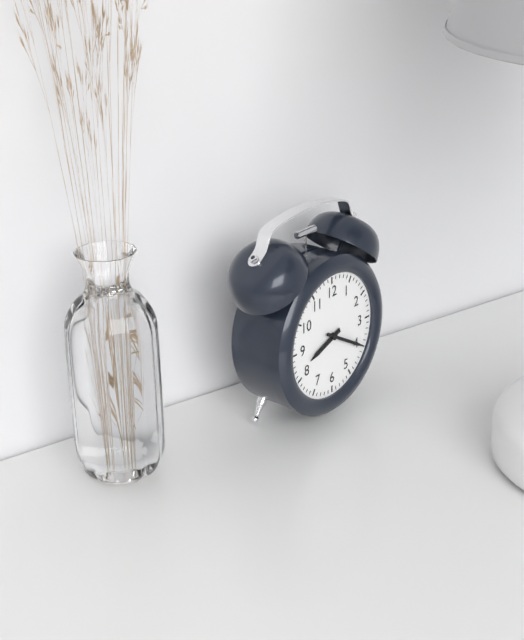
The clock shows 8.20
